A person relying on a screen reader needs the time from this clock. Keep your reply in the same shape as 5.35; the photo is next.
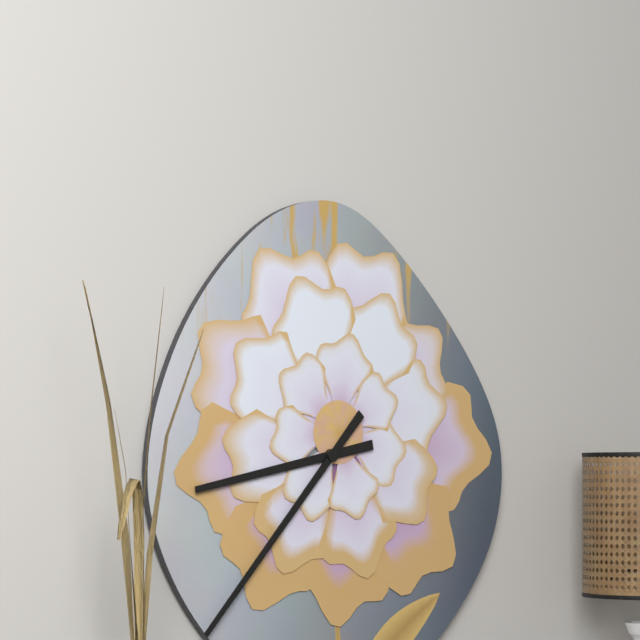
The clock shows 8.37
